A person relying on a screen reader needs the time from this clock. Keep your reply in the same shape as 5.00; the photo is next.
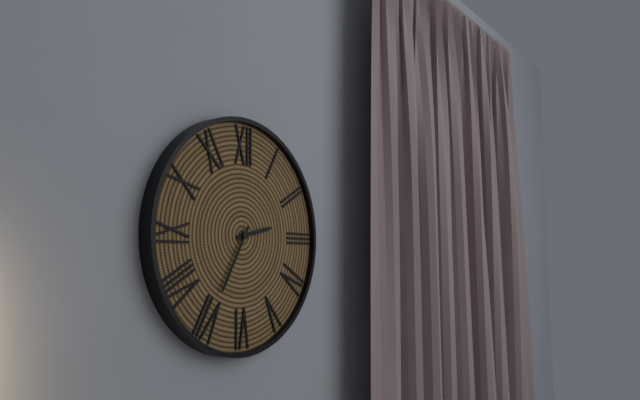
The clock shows 2.35
